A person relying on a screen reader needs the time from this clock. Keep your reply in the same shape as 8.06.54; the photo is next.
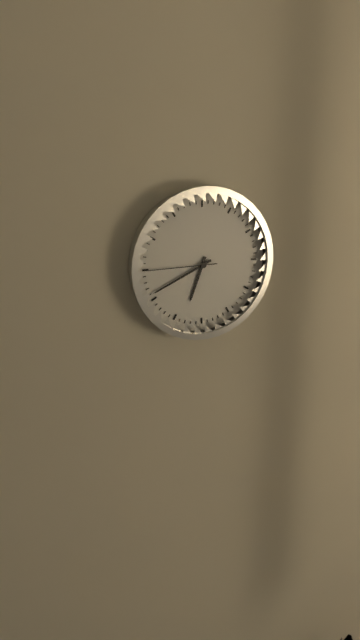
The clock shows 6.41.45
